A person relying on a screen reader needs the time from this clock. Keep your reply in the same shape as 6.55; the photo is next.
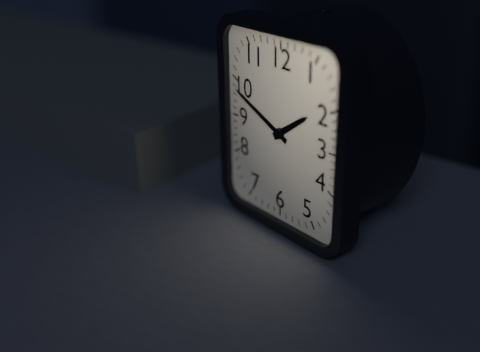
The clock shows 1.49
